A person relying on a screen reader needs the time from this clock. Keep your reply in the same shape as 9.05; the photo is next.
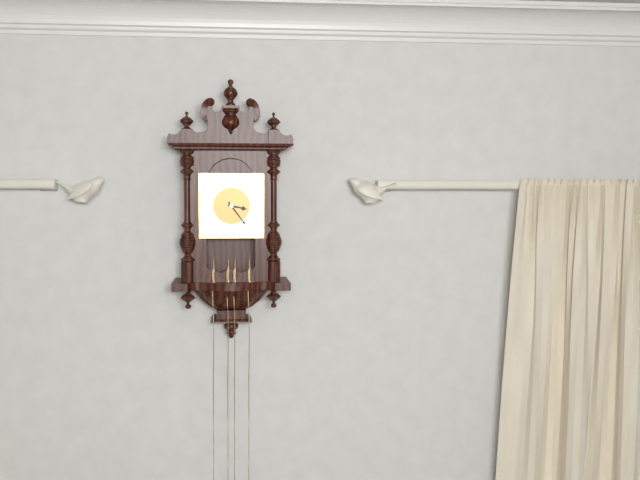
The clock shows 3.24
